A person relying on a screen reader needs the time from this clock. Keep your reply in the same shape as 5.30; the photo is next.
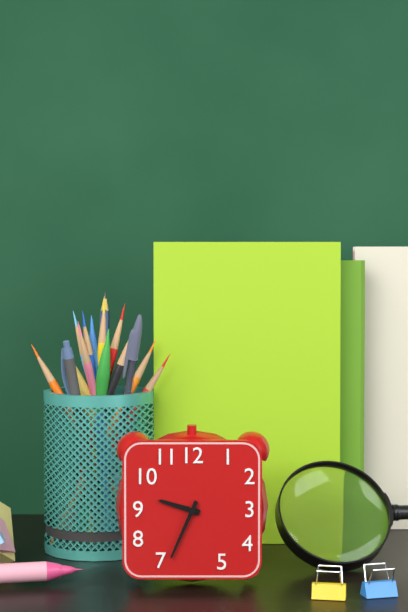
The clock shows 9.34
